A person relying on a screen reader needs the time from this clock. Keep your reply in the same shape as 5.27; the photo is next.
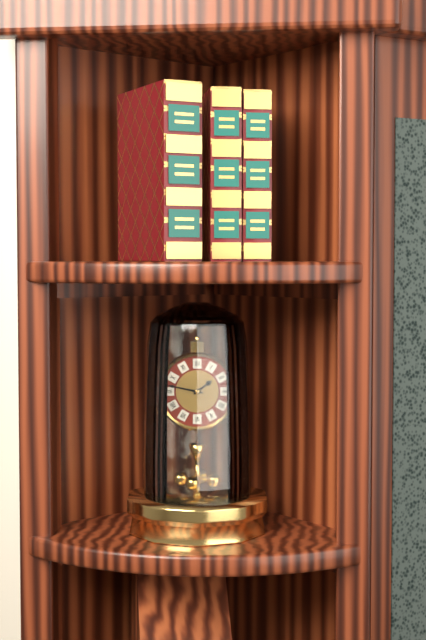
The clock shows 1.47
